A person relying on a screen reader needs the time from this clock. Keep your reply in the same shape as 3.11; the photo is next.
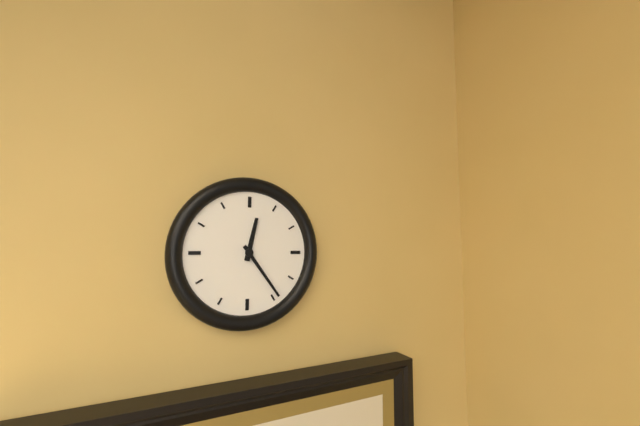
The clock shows 12.24
